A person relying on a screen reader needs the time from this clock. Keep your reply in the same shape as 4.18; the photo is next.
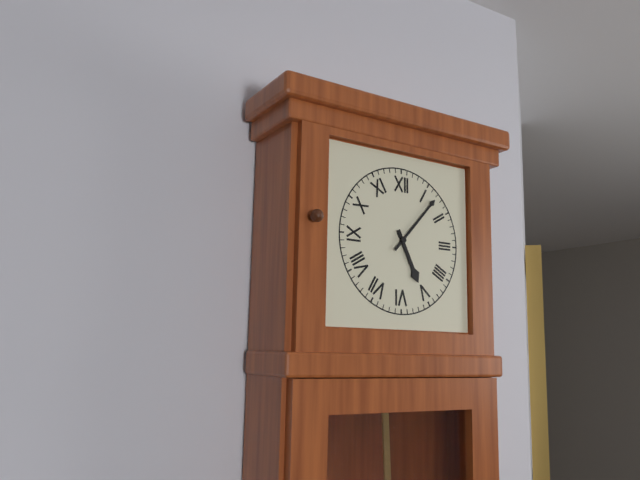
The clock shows 5.07
